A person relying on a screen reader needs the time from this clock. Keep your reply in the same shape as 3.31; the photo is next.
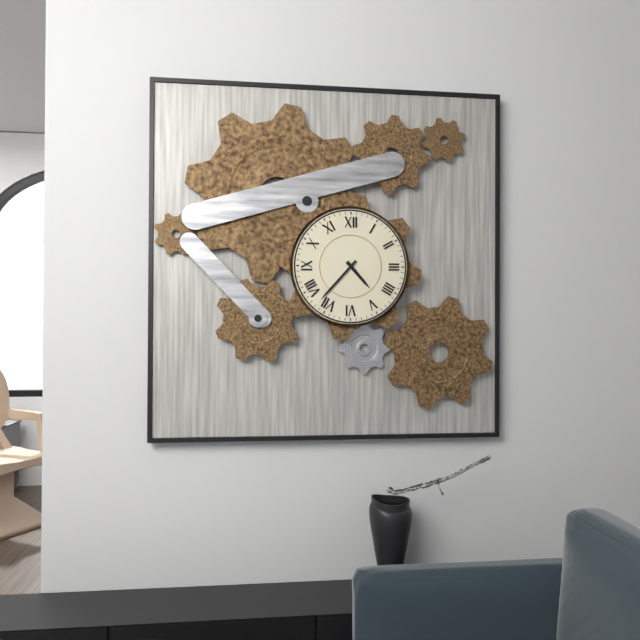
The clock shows 4.37
